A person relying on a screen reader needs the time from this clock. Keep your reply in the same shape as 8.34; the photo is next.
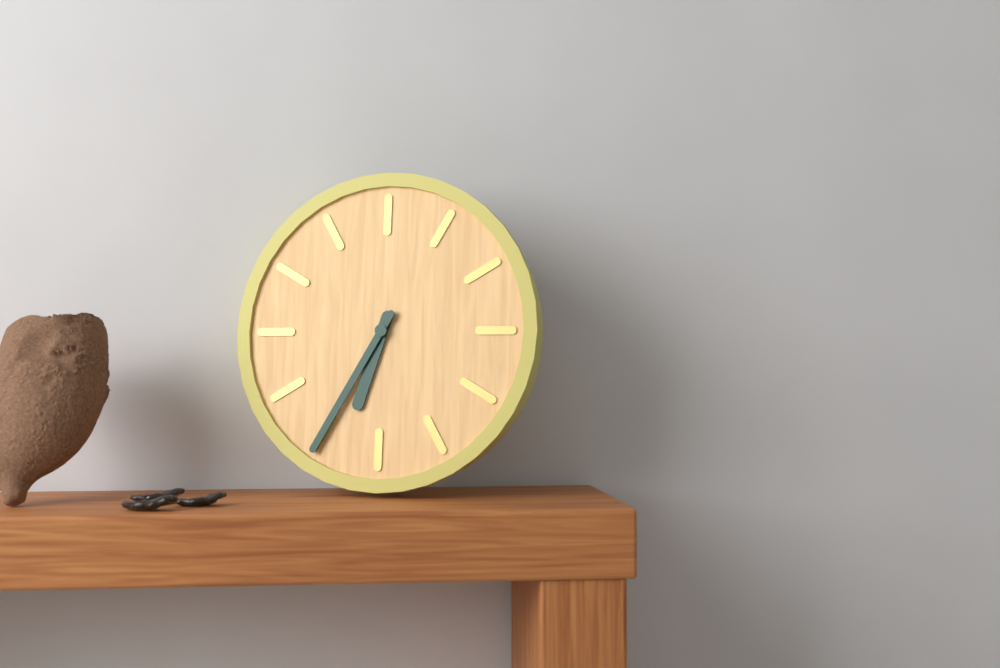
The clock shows 6.35
